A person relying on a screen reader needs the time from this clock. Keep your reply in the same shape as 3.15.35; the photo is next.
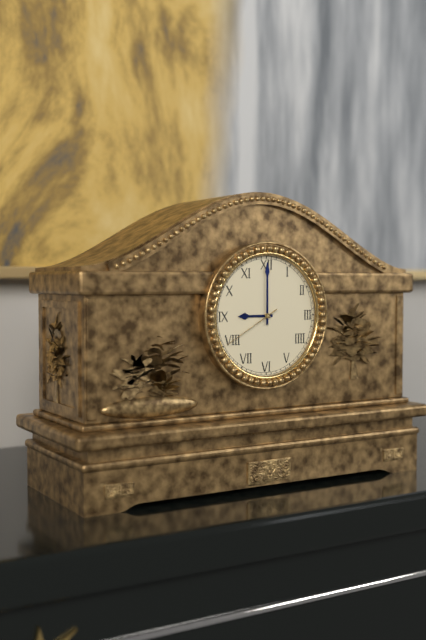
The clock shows 9.00.40
